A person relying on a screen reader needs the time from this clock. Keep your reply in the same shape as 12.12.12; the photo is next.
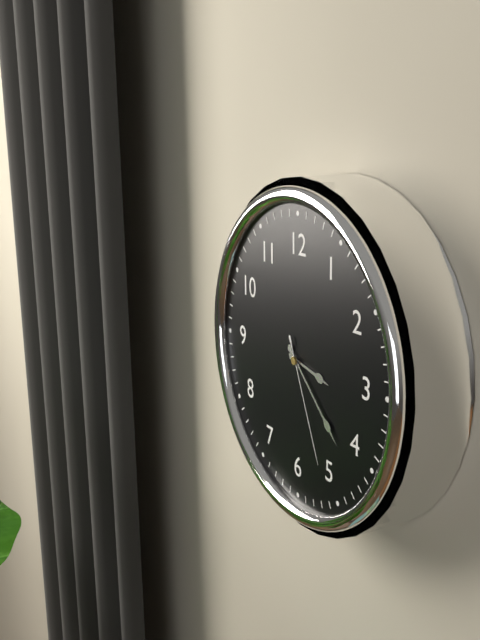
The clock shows 3.22.26
